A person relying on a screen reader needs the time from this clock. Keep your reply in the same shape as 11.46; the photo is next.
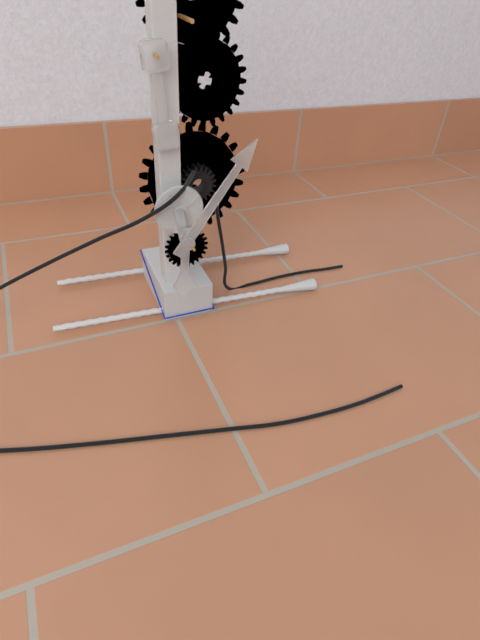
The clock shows 6.06
